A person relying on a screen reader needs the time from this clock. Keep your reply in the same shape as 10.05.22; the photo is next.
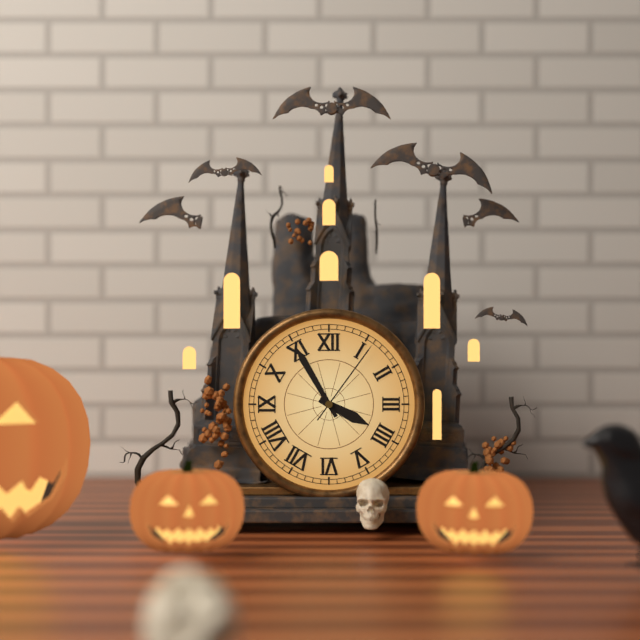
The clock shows 3.55.06
